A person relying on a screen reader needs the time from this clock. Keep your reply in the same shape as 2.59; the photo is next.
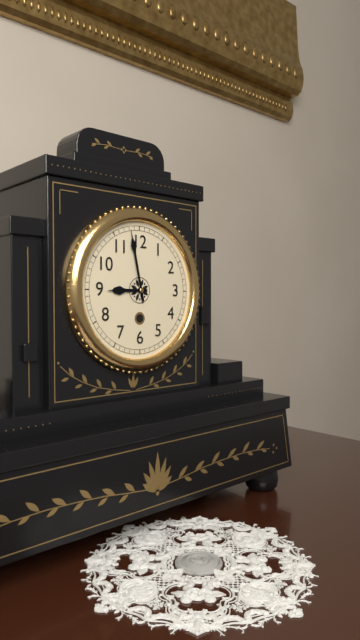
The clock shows 8.58
